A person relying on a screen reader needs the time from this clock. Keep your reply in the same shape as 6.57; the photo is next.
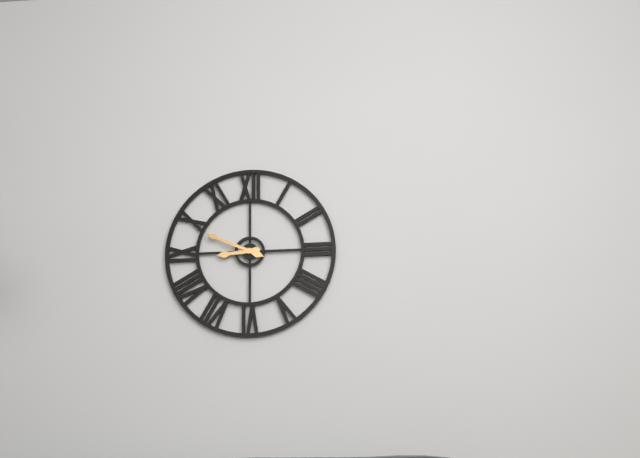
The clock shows 8.49
